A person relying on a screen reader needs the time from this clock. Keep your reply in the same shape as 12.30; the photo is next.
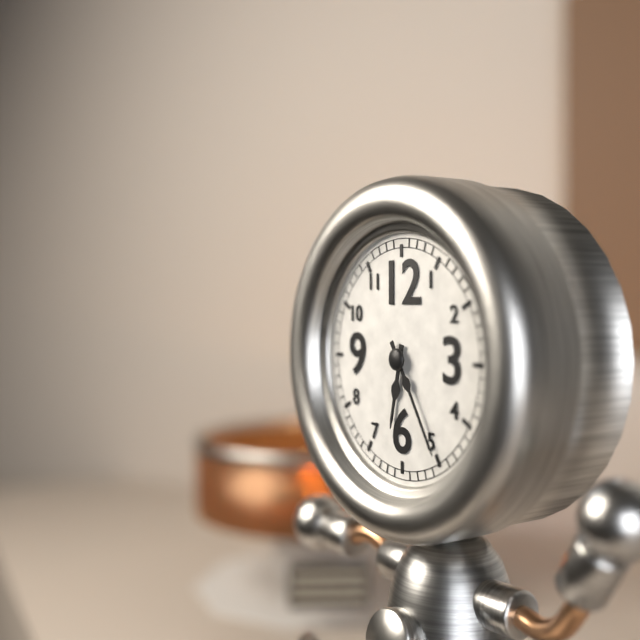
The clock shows 6.25
